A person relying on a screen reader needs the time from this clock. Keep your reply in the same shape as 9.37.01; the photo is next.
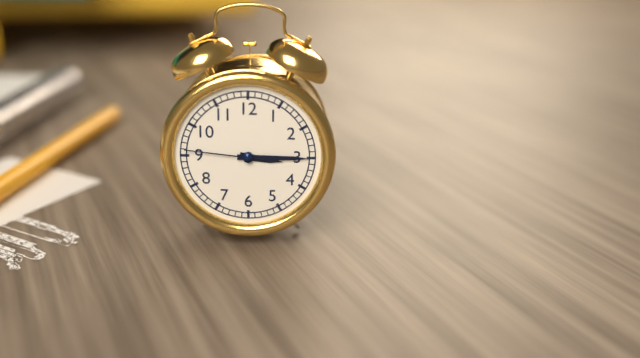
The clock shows 3.15.46
